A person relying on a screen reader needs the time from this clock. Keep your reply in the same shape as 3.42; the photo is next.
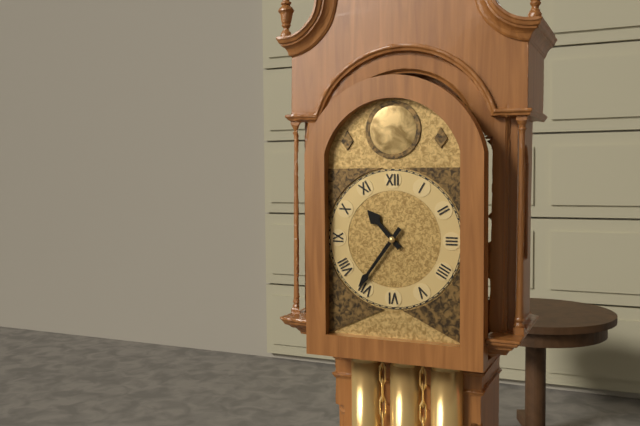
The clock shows 10.36
